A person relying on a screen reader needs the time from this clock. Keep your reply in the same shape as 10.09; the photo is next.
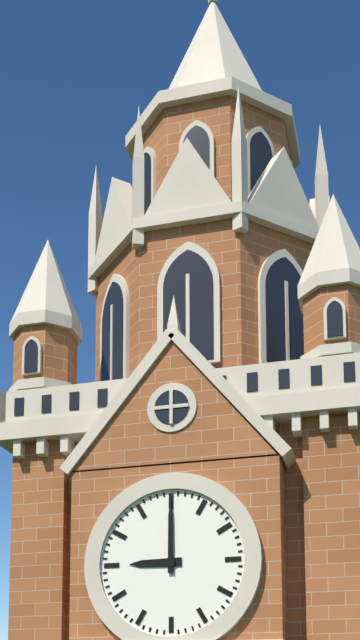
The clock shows 9.00
